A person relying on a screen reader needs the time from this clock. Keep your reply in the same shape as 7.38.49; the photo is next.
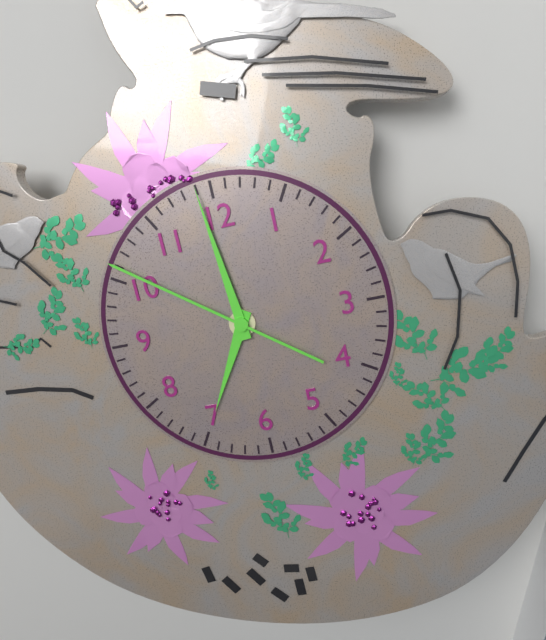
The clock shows 6.59.51
